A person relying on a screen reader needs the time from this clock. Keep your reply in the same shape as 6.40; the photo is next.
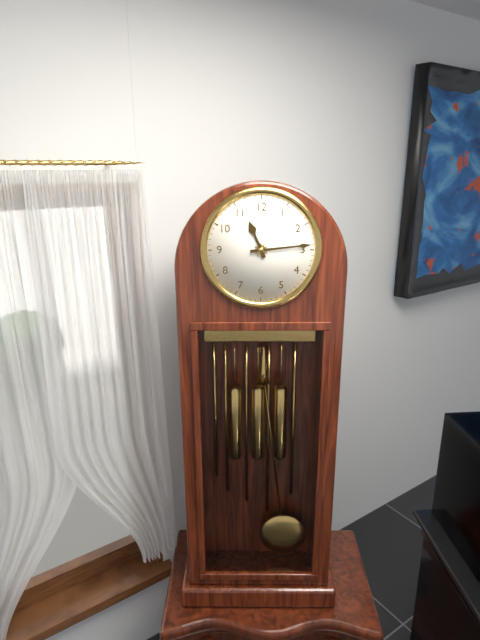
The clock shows 11.14
